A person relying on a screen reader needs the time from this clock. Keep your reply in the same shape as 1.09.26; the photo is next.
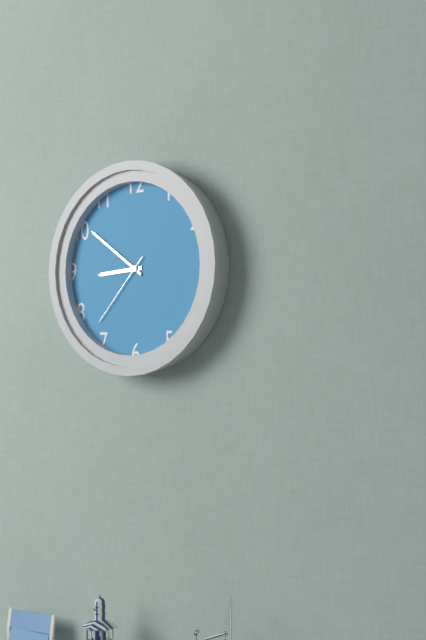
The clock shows 8.51.37
